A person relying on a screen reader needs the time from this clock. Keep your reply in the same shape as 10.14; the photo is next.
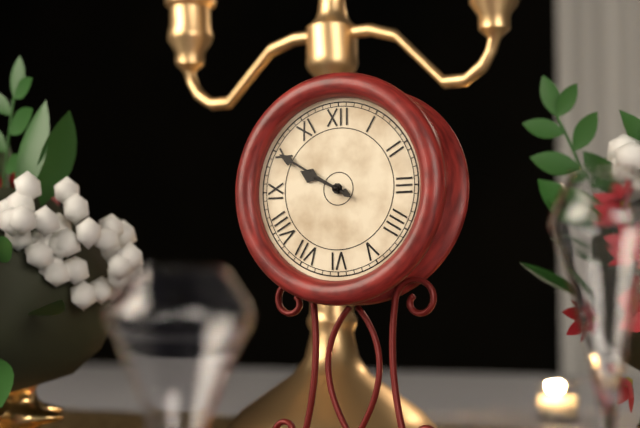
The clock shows 9.50
